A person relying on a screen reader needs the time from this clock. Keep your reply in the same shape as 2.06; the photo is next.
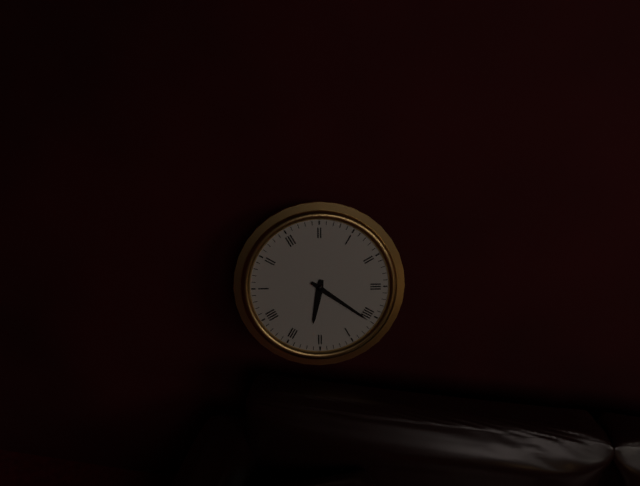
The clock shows 6.21
